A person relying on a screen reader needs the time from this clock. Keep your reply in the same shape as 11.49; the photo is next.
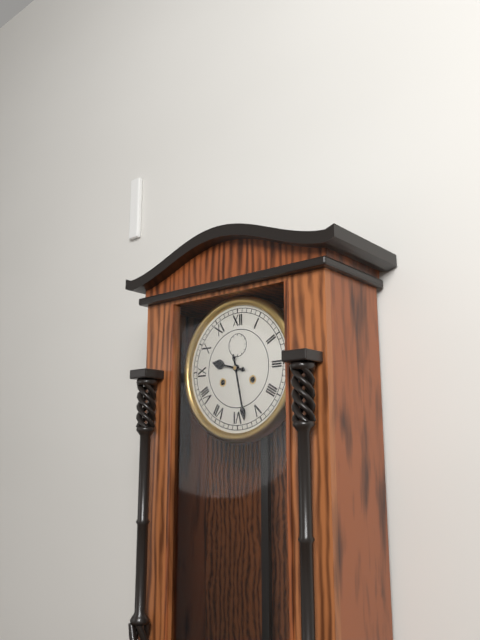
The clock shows 9.28
